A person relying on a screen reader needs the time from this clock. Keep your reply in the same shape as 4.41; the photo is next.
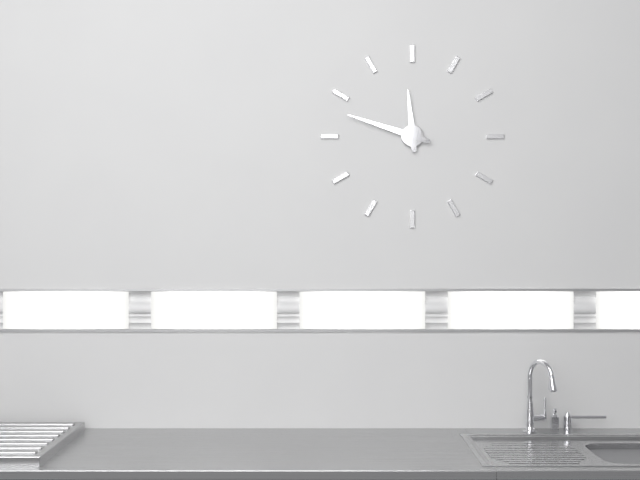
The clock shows 11.48
